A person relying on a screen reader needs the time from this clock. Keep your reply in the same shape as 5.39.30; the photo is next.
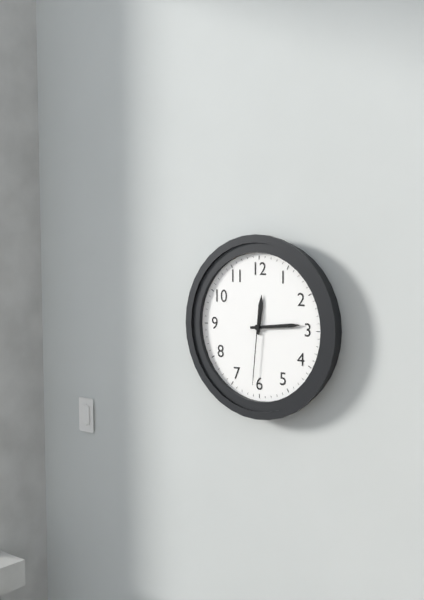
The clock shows 12.14.31
